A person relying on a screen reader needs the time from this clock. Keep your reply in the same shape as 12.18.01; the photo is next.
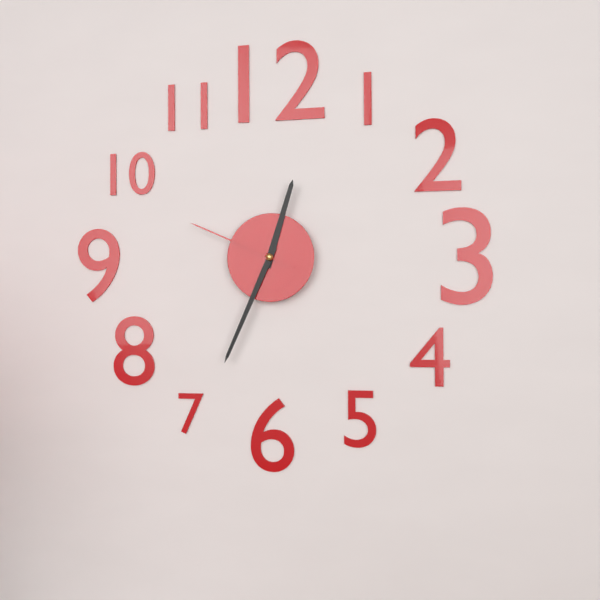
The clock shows 12.34.49
